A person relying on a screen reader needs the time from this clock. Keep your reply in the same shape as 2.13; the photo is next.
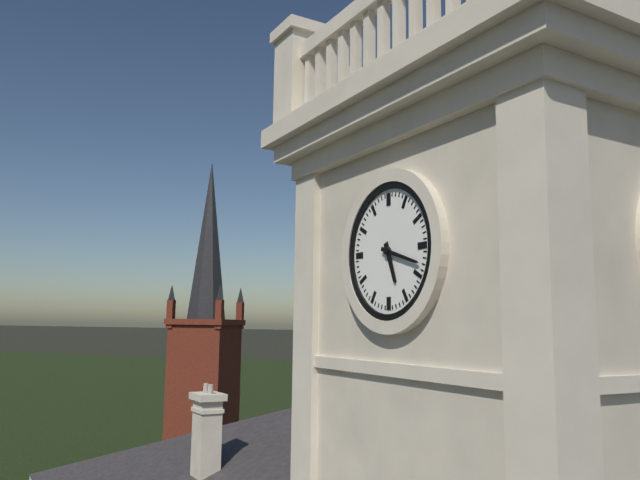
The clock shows 5.18
